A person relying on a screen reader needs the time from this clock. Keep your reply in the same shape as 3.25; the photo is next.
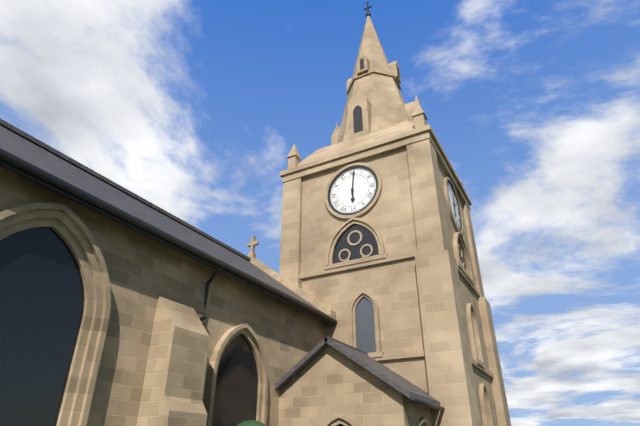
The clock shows 6.01
